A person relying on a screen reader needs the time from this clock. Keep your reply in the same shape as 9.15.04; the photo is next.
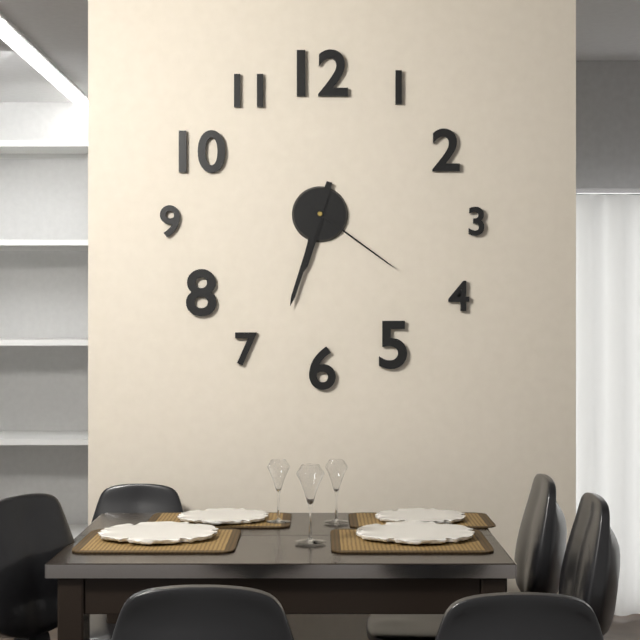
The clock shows 6.33.21
